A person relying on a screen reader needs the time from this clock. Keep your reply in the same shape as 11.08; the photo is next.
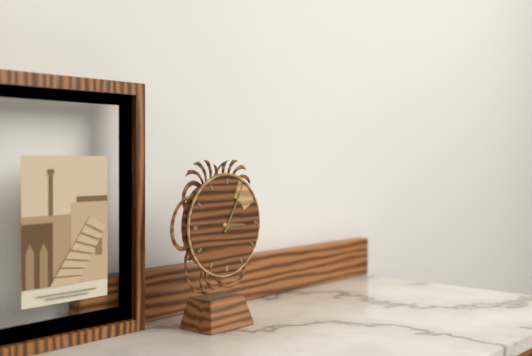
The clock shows 3.05
